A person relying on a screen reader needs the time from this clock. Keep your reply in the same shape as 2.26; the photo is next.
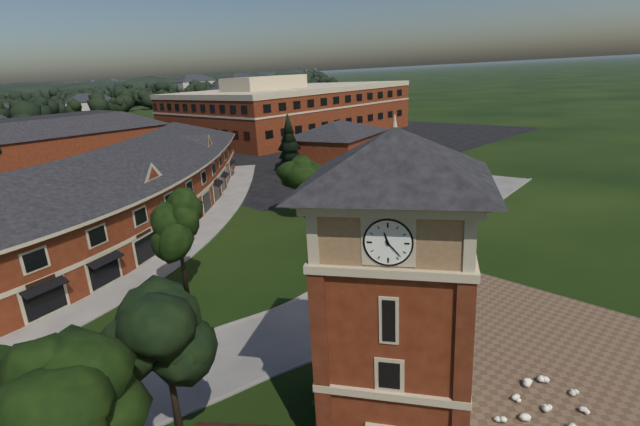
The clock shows 11.23
